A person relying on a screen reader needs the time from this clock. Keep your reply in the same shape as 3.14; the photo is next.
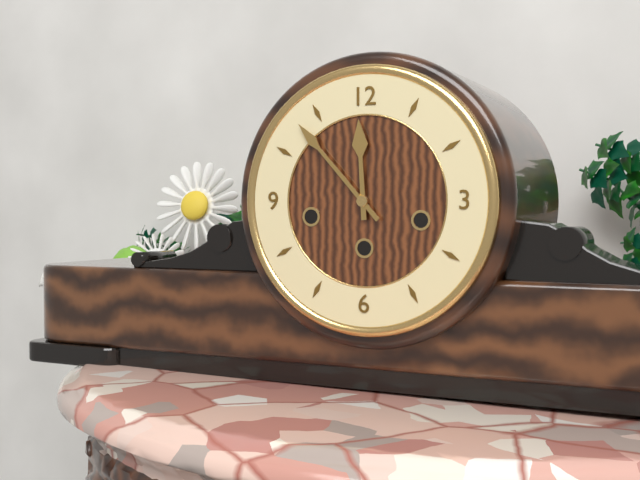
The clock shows 11.53
